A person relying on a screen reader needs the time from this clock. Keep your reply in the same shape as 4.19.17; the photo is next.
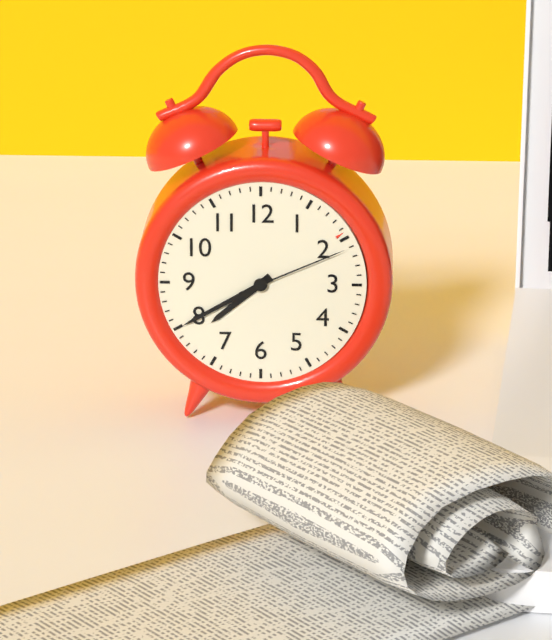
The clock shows 7.40.11
